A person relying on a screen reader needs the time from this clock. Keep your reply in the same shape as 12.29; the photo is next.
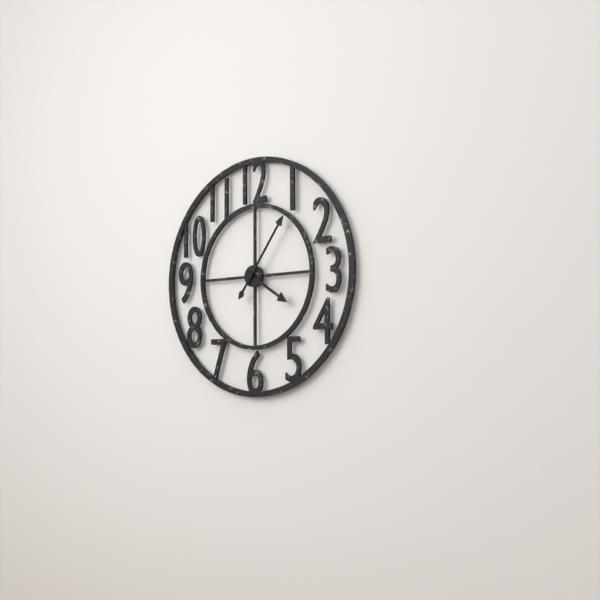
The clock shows 4.06
